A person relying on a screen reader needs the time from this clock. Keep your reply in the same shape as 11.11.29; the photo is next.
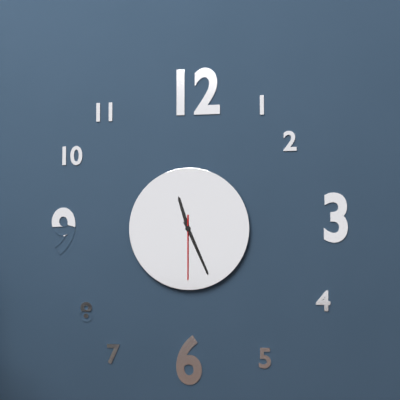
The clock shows 11.26.30
